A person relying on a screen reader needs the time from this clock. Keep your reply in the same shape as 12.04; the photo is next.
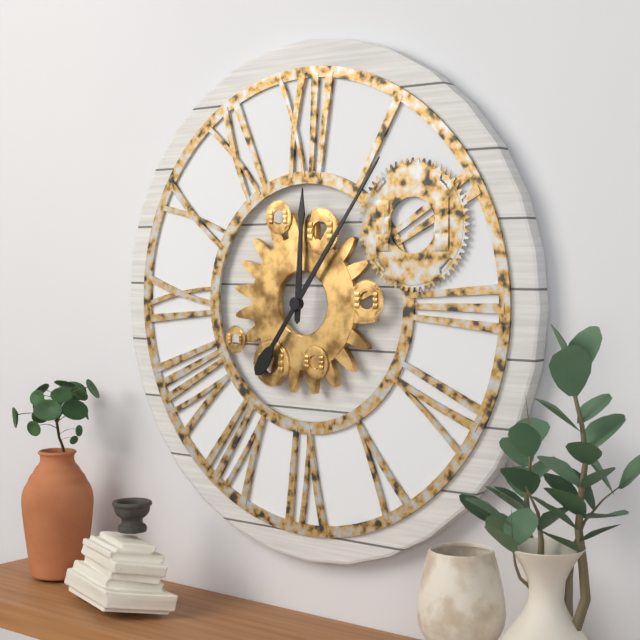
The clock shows 12.06
